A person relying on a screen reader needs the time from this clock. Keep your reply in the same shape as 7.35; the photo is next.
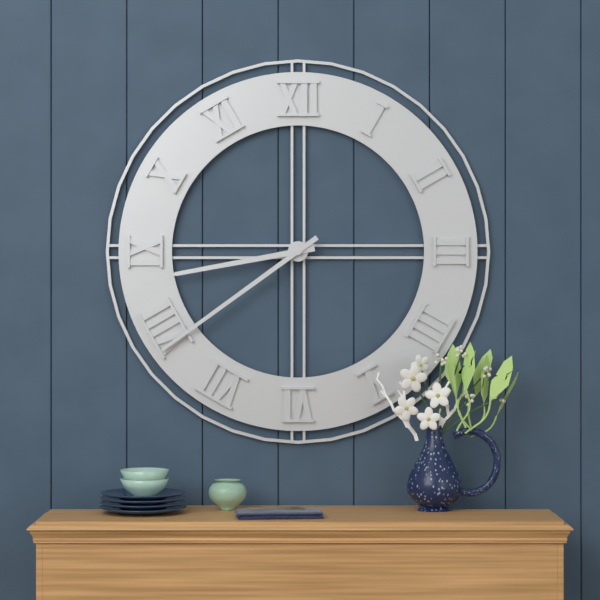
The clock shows 8.39
